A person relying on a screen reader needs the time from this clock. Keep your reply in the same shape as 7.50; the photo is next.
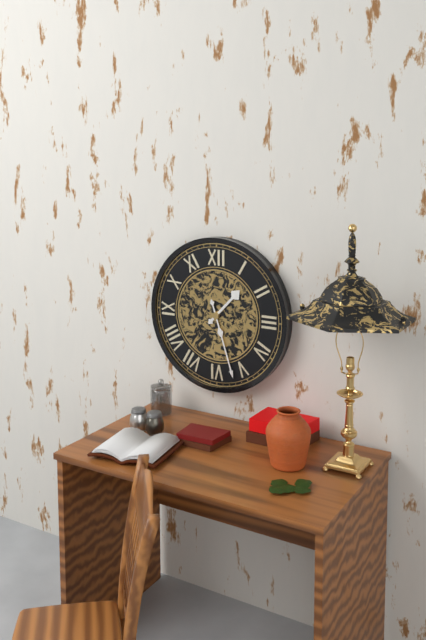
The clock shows 1.27
